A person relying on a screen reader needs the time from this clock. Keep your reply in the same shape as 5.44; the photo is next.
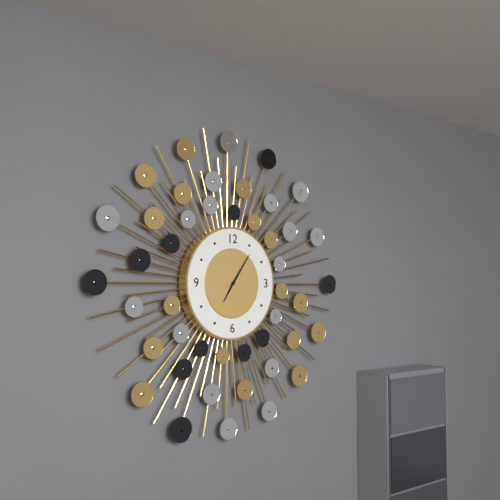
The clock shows 7.06
